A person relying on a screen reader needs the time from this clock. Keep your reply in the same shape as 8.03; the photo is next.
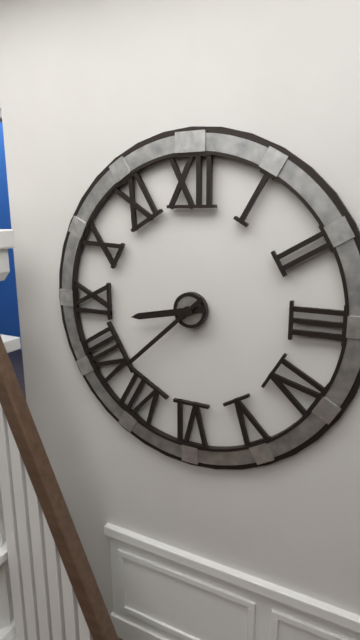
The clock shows 8.38
